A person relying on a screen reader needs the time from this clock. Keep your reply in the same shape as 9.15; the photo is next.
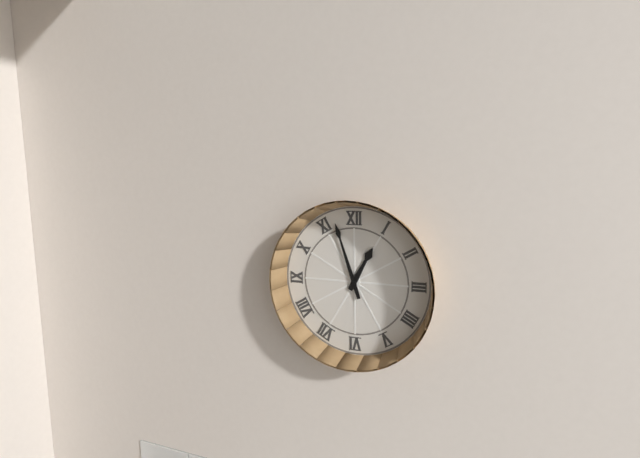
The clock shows 12.57
